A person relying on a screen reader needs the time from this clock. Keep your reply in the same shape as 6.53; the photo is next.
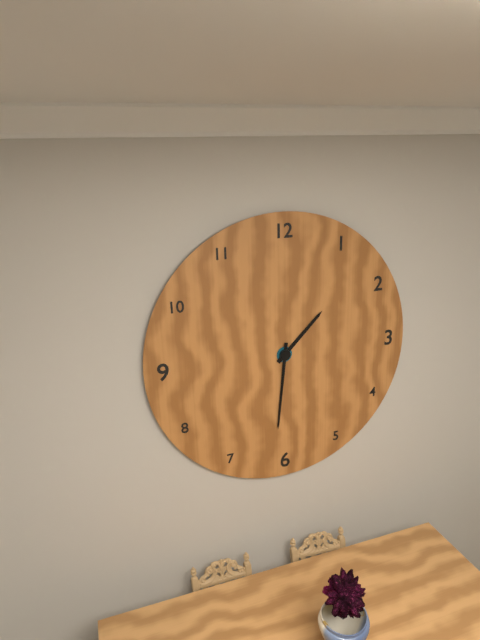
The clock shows 1.31
